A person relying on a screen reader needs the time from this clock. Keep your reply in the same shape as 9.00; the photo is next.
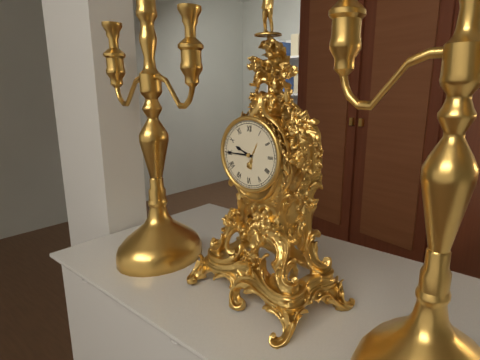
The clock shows 9.45
